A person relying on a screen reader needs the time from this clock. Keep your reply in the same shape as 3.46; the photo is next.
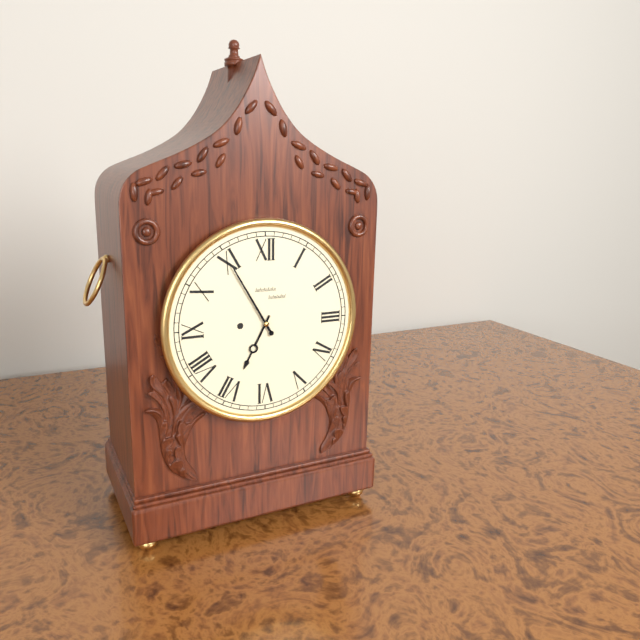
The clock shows 6.55
